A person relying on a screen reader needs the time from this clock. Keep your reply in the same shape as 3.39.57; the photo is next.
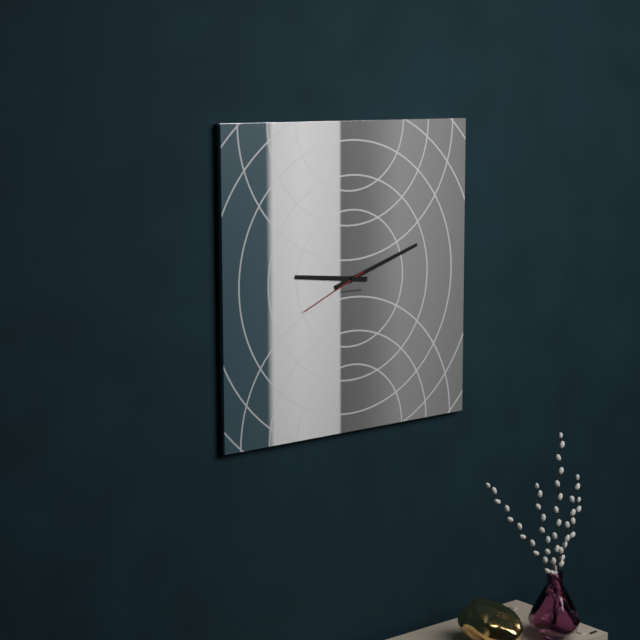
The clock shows 9.12.41
